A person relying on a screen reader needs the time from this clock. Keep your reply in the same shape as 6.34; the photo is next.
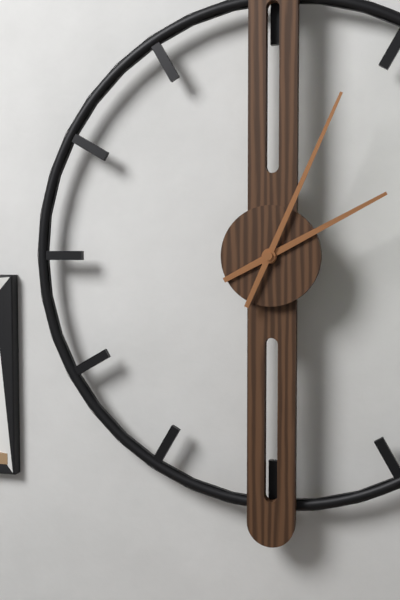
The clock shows 2.04
